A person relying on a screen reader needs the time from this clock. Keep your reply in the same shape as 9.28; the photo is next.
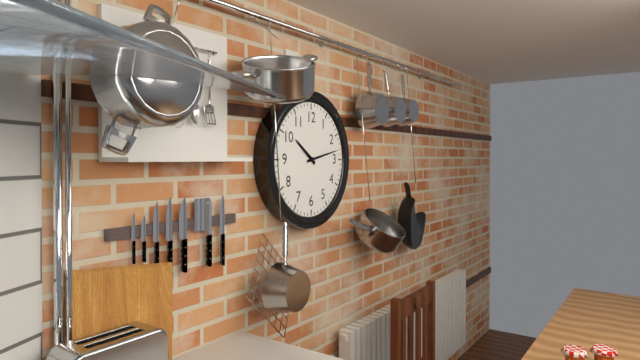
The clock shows 10.13
